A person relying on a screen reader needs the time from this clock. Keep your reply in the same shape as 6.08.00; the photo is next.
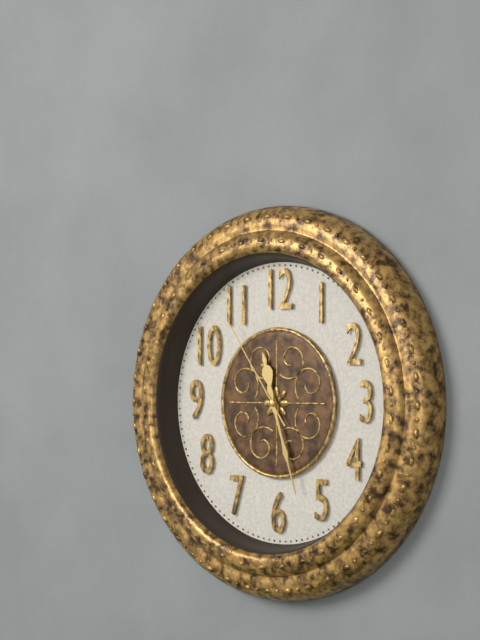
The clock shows 11.27.54
